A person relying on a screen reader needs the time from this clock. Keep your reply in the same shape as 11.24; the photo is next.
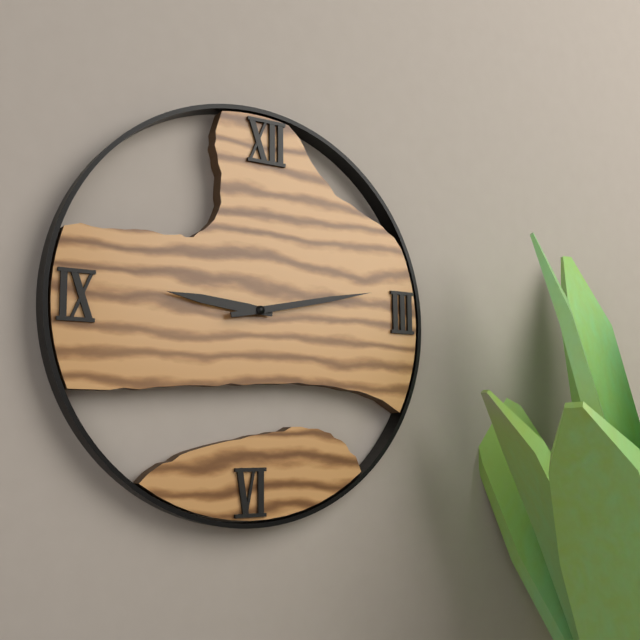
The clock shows 9.13
